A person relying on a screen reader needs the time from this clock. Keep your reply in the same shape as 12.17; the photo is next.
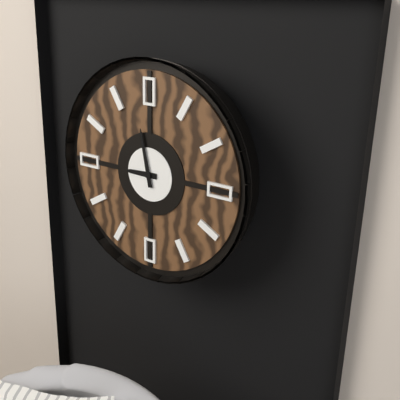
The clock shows 8.58
